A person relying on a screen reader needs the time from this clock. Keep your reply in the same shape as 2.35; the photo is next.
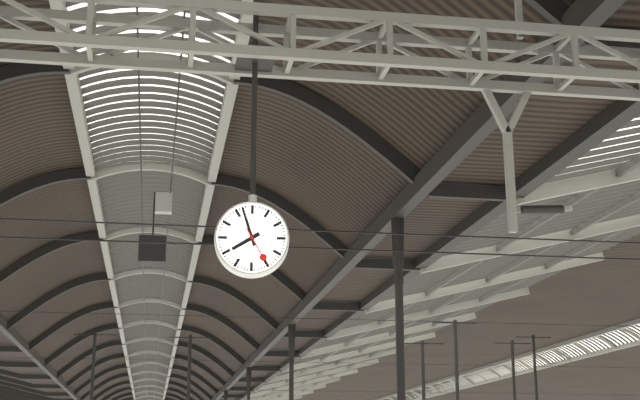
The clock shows 7.57
